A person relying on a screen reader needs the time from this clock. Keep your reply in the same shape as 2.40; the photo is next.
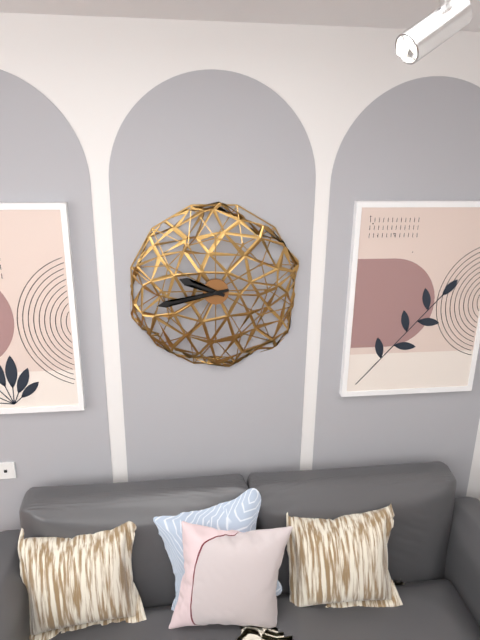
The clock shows 9.43
